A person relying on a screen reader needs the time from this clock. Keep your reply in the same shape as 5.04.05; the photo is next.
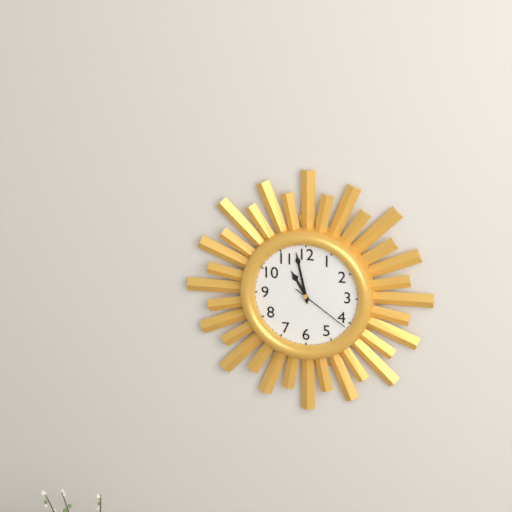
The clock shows 10.58.21
